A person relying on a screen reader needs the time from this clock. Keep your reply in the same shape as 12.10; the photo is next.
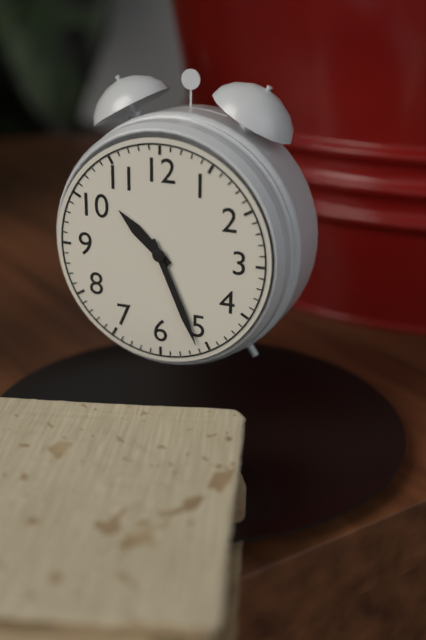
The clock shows 10.26
